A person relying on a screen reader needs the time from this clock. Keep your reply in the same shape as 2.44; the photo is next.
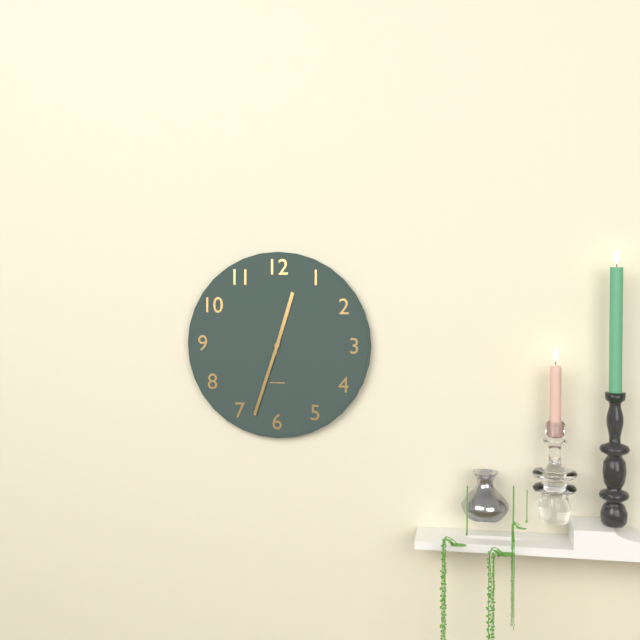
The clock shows 12.33
